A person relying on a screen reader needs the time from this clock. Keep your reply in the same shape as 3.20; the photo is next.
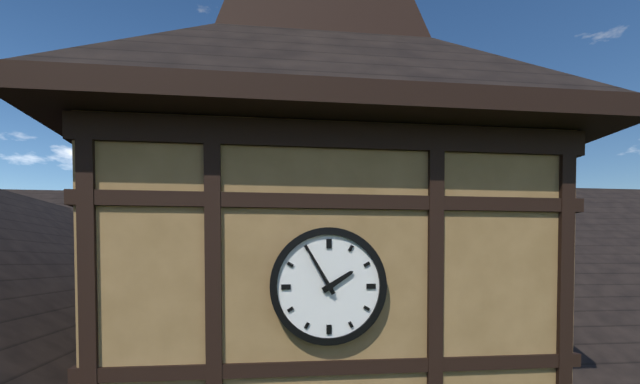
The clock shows 1.55
